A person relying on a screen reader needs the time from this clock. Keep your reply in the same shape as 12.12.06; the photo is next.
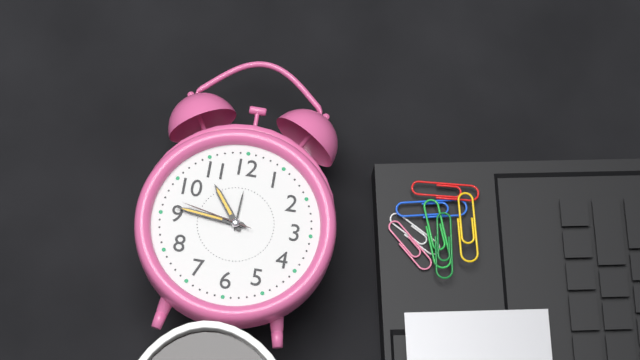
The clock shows 10.46.47
